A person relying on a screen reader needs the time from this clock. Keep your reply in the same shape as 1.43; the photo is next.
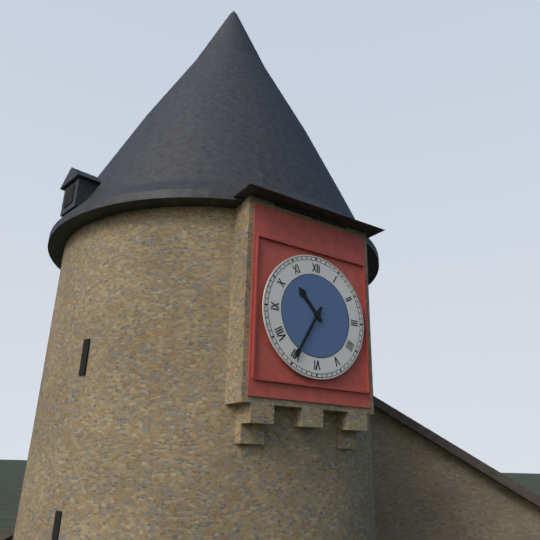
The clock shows 10.35
